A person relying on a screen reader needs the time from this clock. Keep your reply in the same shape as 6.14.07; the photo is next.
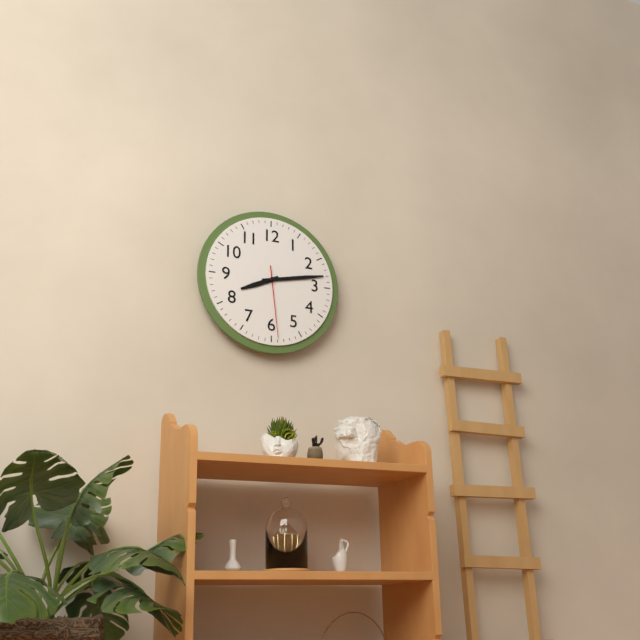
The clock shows 8.13.29
